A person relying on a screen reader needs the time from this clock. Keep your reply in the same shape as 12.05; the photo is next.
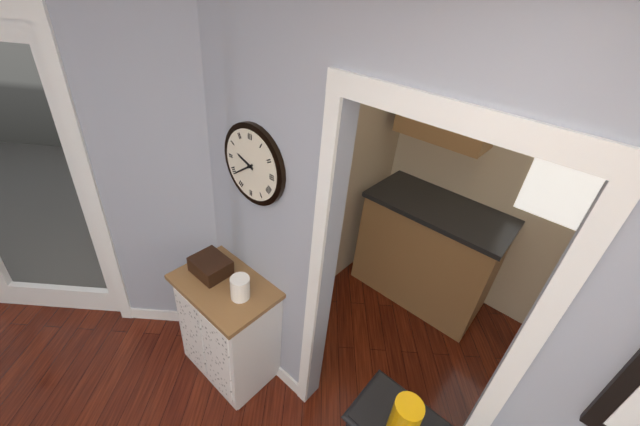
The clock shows 9.39
